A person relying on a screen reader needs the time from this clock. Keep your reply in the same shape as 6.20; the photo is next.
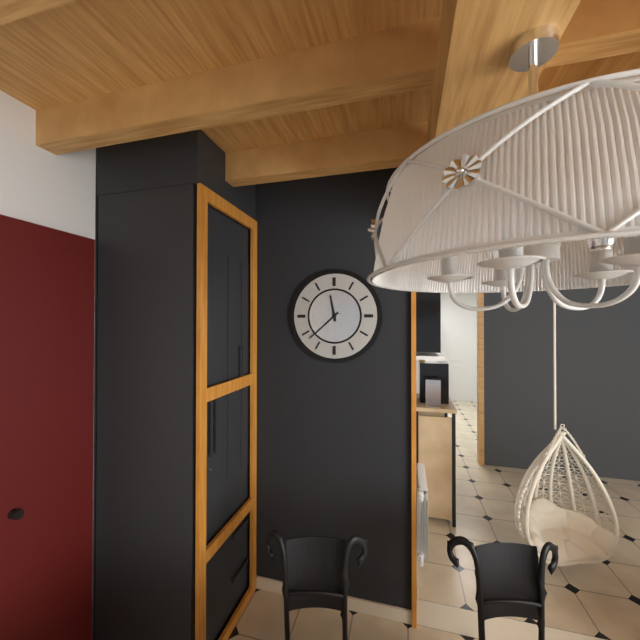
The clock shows 11.38
